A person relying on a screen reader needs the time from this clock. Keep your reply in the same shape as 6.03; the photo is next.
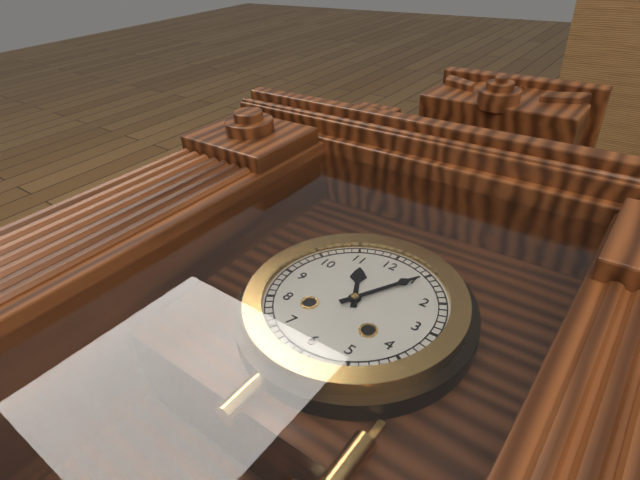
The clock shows 11.05
